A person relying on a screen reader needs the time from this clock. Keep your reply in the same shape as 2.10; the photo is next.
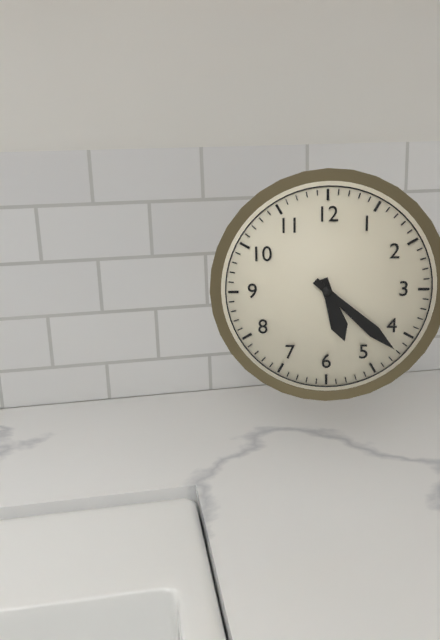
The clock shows 5.22
